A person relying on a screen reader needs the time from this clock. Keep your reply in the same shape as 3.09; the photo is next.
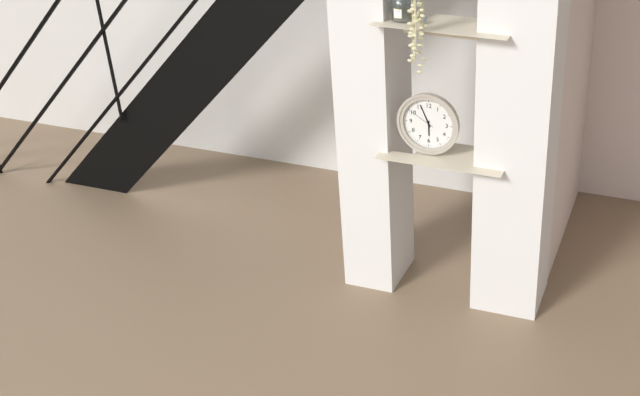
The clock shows 5.56
